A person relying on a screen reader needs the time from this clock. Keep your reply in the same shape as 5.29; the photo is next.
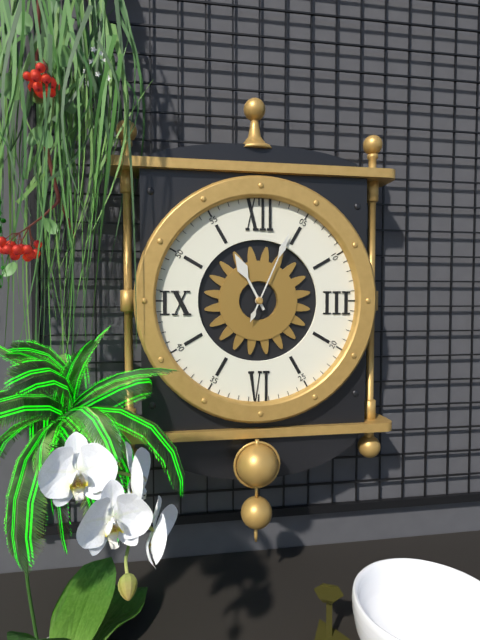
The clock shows 11.04
